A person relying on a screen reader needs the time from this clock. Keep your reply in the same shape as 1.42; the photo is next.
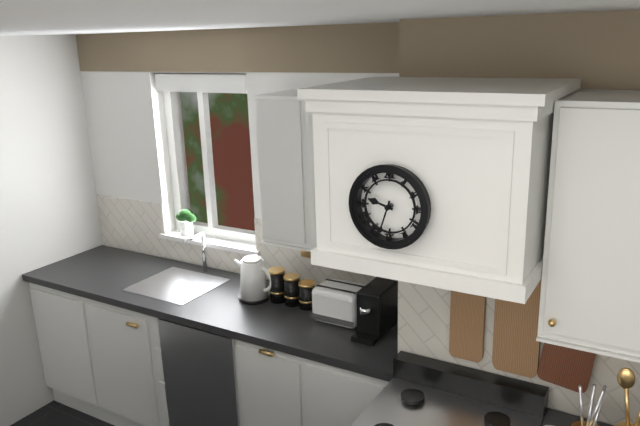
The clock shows 9.33
